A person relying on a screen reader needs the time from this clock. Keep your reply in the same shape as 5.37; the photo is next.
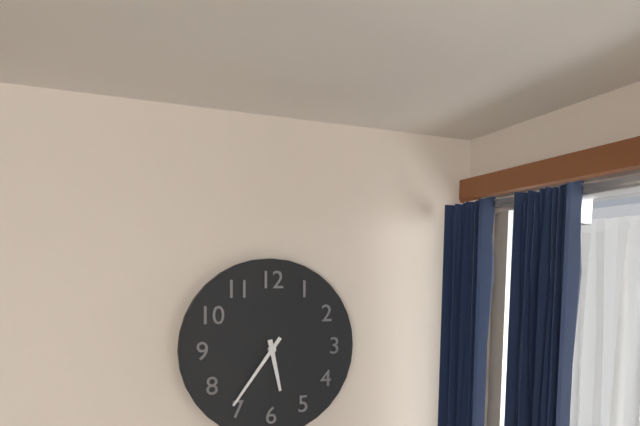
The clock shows 5.36
